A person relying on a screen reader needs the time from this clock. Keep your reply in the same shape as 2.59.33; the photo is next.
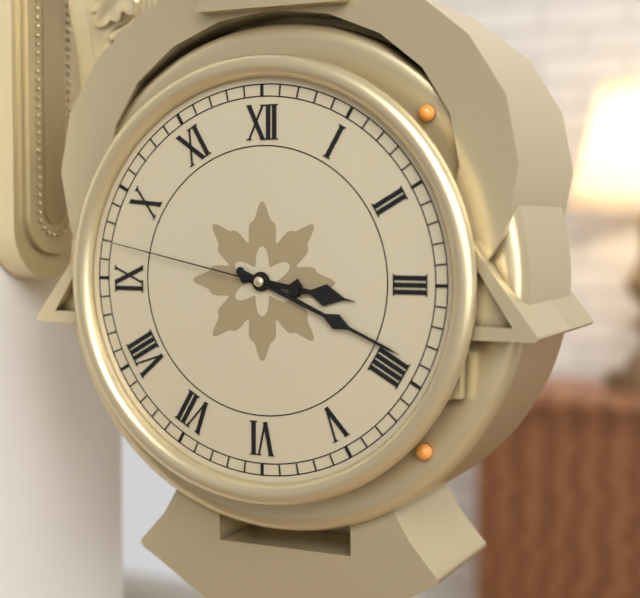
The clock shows 3.19.47
